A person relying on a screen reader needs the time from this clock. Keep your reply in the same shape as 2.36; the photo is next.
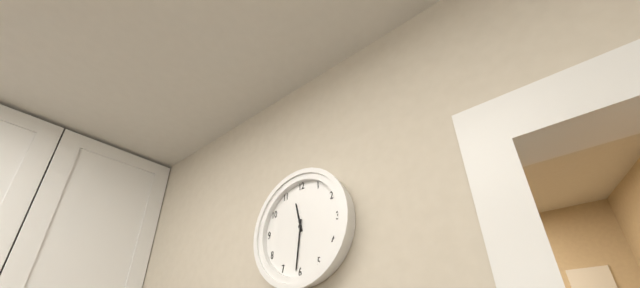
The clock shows 11.31
